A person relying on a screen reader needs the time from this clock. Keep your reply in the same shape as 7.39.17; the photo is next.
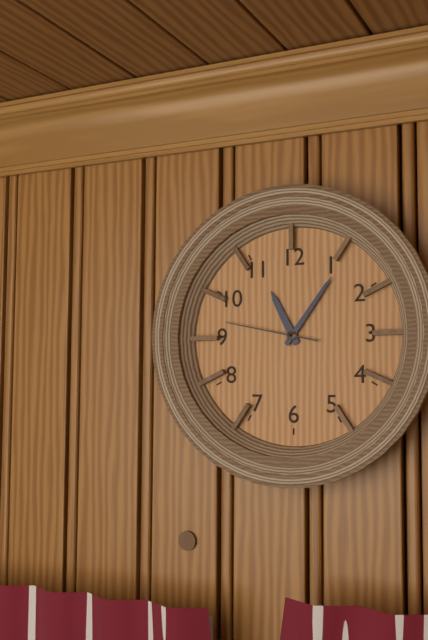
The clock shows 11.06.47
